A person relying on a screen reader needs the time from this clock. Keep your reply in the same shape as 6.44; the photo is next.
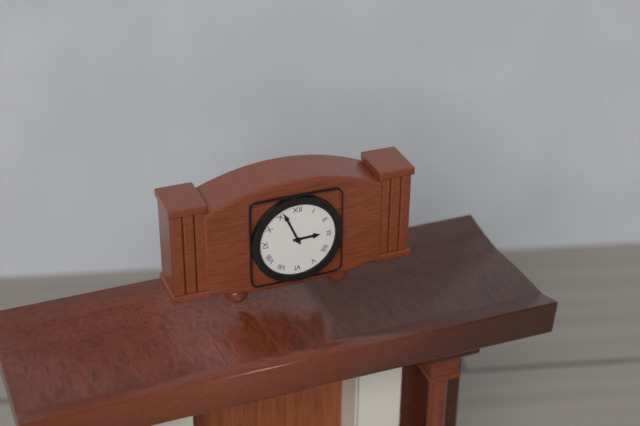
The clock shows 2.56
